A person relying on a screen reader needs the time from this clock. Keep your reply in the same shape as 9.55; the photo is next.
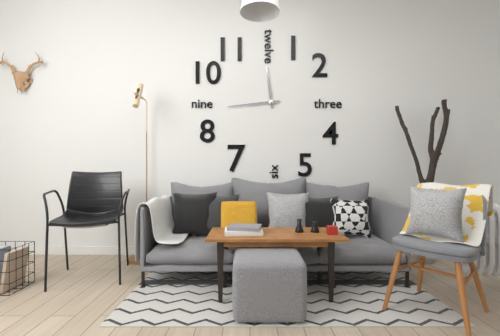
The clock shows 11.44
